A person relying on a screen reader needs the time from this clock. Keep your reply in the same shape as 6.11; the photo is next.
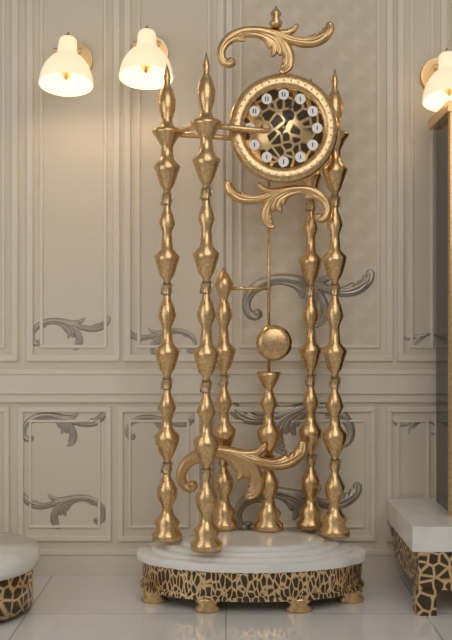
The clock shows 1.03
